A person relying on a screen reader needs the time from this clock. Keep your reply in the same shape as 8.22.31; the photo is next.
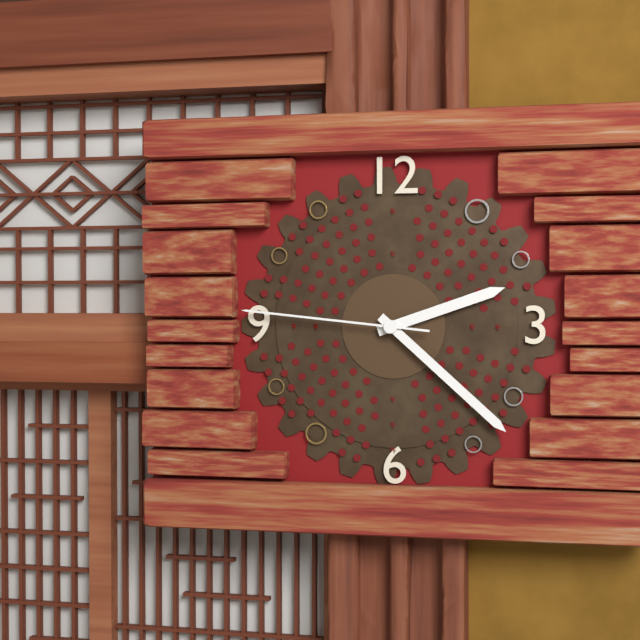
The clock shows 2.22.46
